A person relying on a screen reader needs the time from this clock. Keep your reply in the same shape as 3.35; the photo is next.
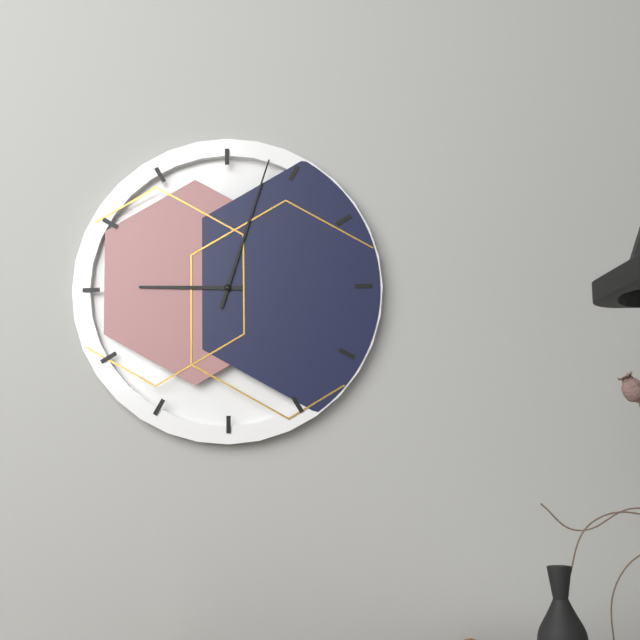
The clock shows 9.03
